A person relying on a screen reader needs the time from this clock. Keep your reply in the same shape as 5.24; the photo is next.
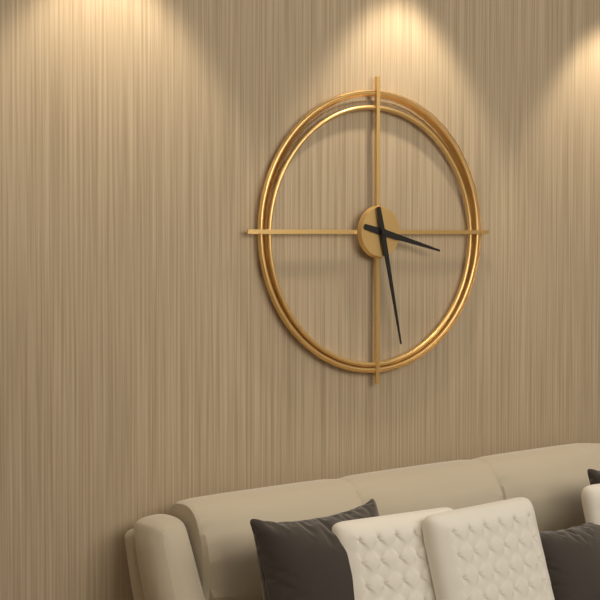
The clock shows 3.28
